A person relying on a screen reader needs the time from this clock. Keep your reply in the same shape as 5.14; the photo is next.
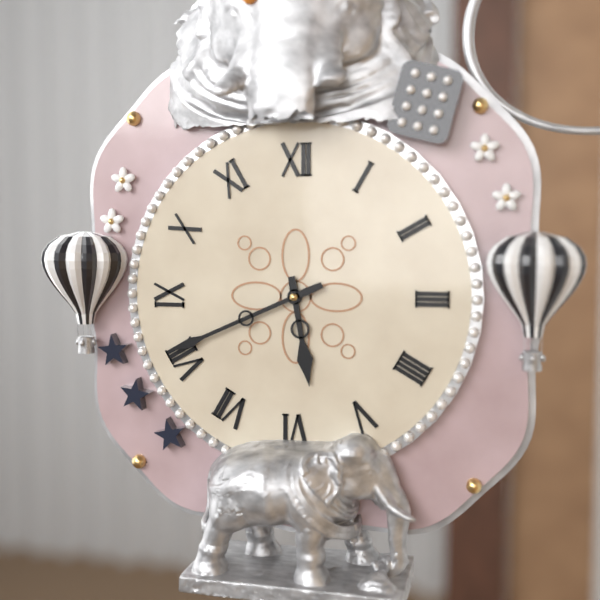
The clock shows 5.41
